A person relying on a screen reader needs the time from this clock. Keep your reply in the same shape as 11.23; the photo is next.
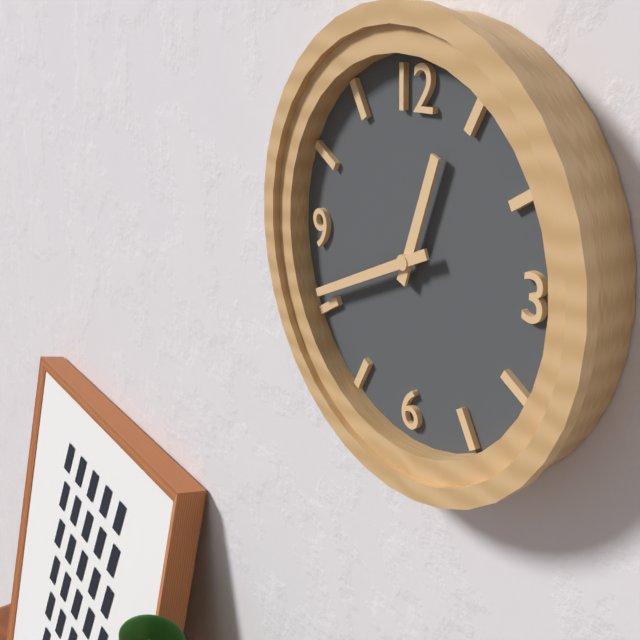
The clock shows 12.41
